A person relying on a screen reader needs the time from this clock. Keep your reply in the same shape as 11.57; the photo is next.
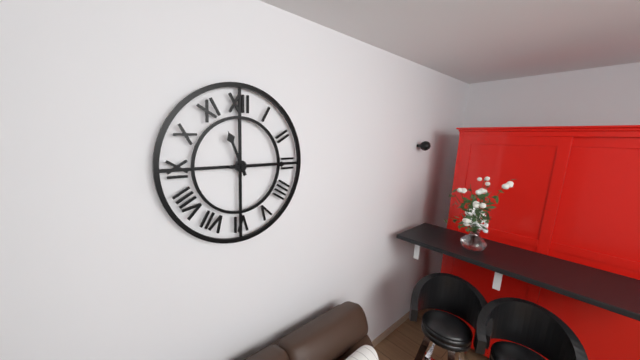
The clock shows 11.15
